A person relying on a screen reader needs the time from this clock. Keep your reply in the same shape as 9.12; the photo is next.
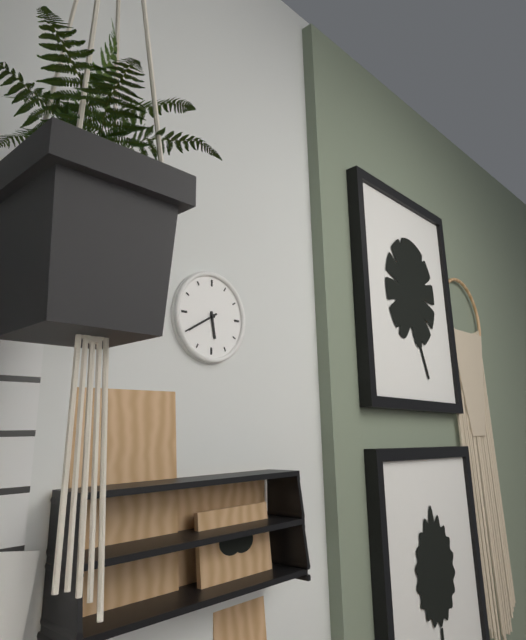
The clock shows 5.40
